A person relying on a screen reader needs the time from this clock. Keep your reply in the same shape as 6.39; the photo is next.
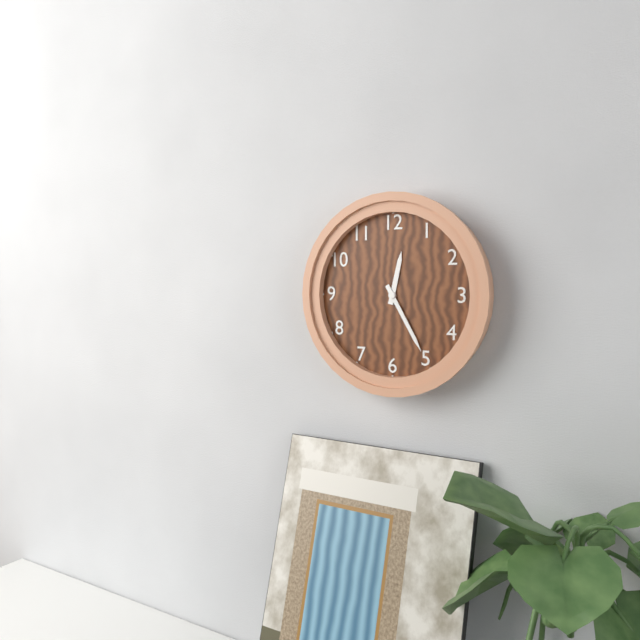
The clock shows 12.25
